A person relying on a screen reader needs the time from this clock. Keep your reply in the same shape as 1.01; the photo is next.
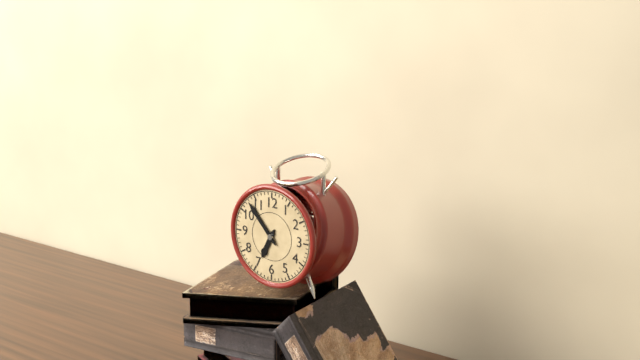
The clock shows 6.53
